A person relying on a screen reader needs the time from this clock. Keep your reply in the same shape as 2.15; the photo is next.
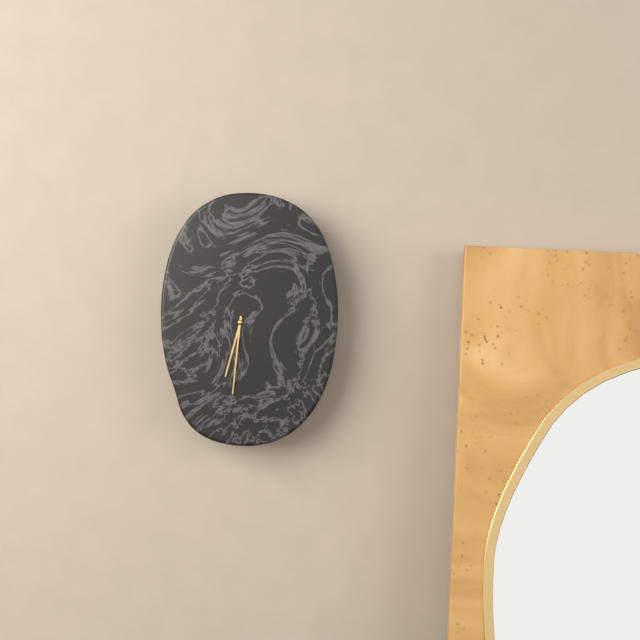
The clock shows 6.31
